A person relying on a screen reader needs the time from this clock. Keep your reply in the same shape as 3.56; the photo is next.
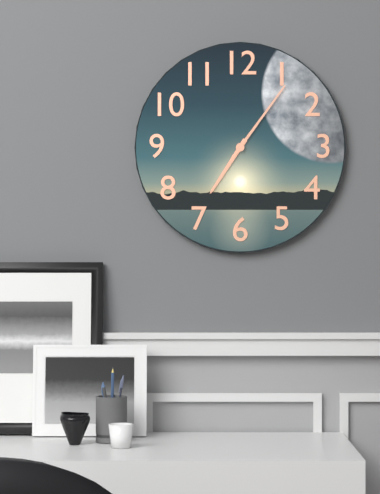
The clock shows 7.06
